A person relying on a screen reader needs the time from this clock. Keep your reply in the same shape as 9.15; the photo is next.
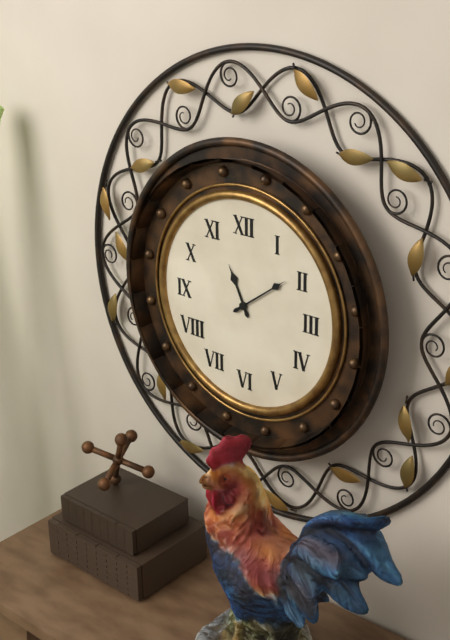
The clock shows 11.09
